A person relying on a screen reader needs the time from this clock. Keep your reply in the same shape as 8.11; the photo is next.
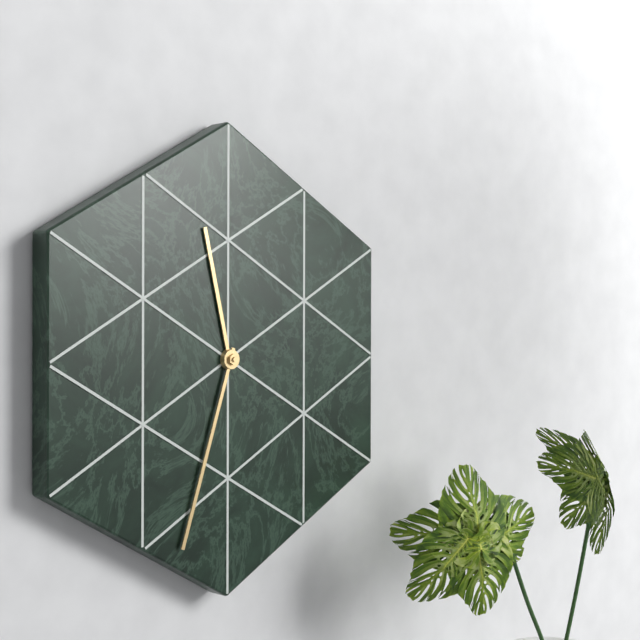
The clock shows 11.33
